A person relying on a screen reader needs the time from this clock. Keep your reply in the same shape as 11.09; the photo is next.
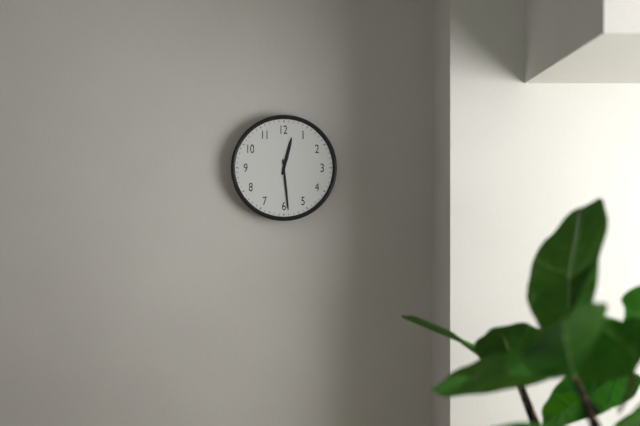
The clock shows 12.29
